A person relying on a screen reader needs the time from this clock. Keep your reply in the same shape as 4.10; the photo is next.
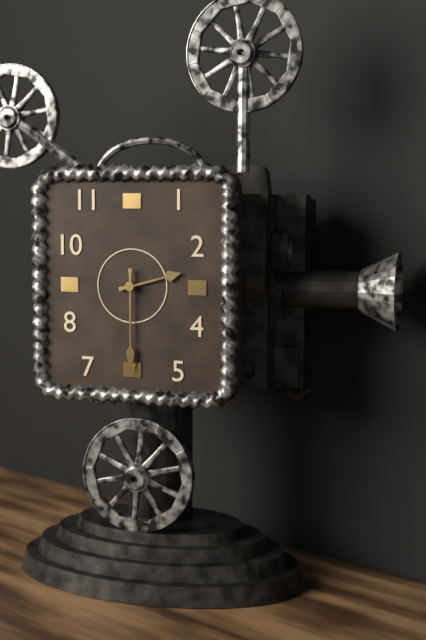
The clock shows 2.30
